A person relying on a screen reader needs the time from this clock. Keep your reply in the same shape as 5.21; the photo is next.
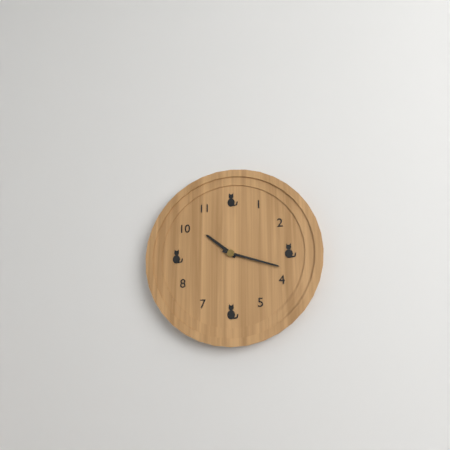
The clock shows 10.18
